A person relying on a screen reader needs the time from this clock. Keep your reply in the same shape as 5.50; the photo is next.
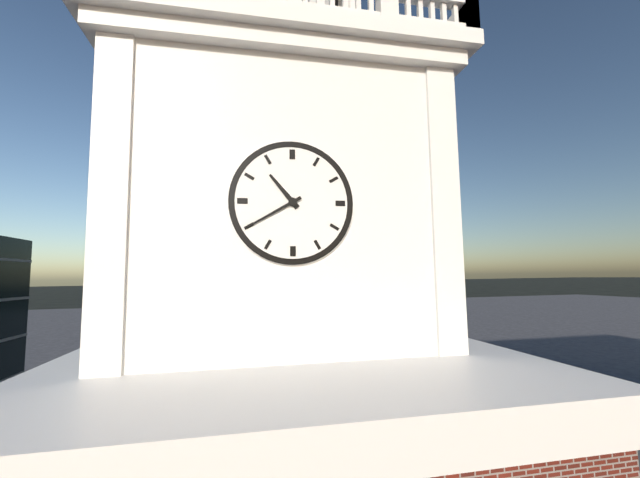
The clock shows 10.40
